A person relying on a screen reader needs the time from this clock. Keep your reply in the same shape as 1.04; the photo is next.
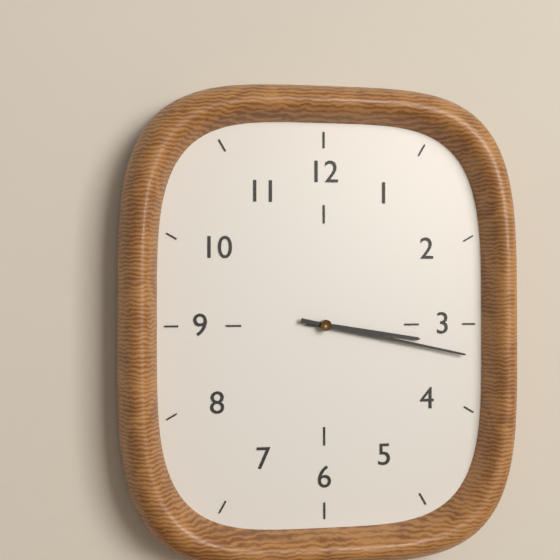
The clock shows 3.17
